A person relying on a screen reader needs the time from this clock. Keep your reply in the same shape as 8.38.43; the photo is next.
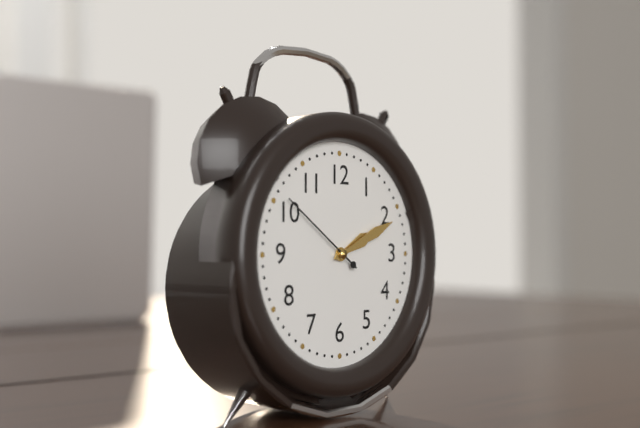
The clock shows 2.11.51
